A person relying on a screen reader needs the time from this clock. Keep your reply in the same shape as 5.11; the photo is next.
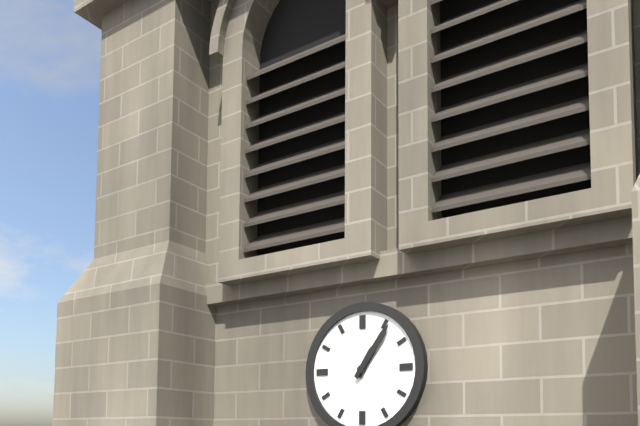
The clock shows 1.06
